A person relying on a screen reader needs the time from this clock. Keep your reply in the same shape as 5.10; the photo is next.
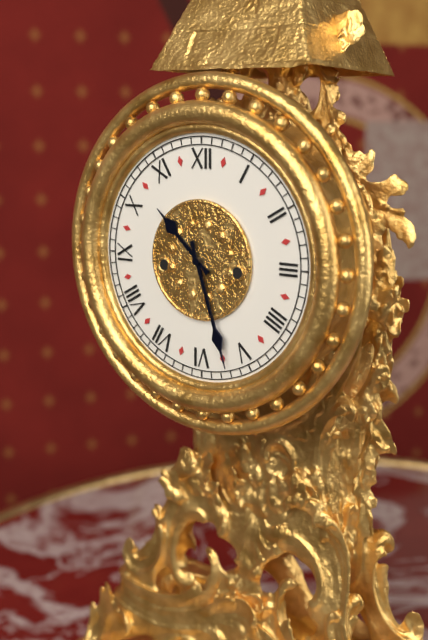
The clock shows 10.27
